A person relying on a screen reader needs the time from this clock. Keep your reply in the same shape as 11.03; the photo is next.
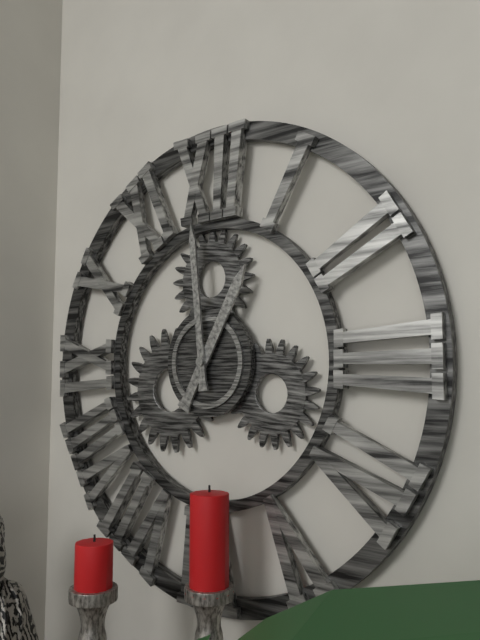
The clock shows 12.59
